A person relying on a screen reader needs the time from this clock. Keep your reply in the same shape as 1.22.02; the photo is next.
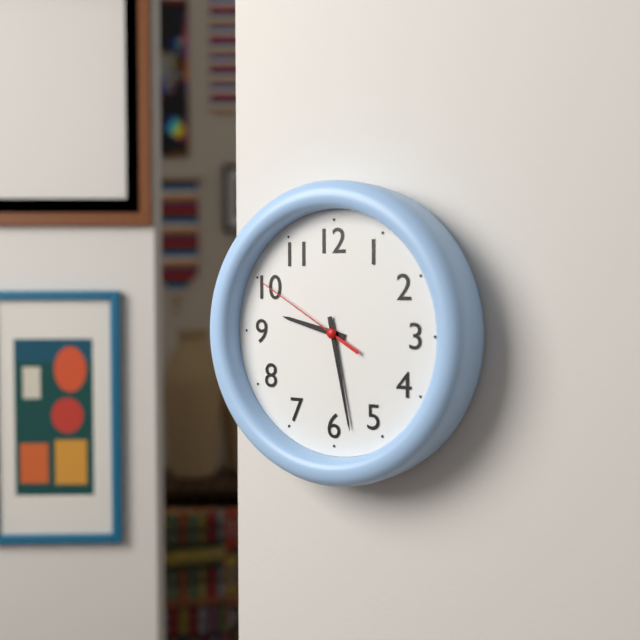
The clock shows 9.28.50
